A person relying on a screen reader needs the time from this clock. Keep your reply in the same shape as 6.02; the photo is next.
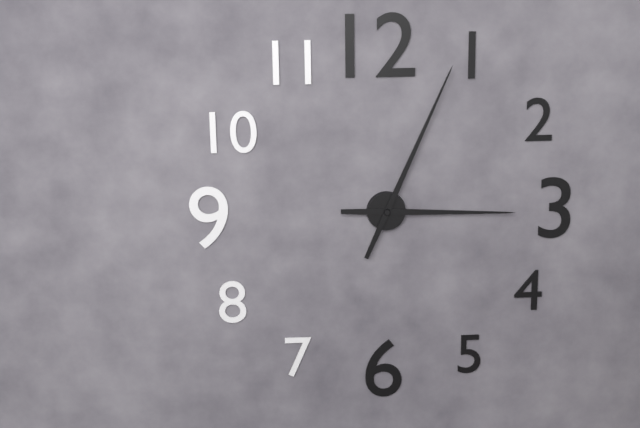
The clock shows 3.04
